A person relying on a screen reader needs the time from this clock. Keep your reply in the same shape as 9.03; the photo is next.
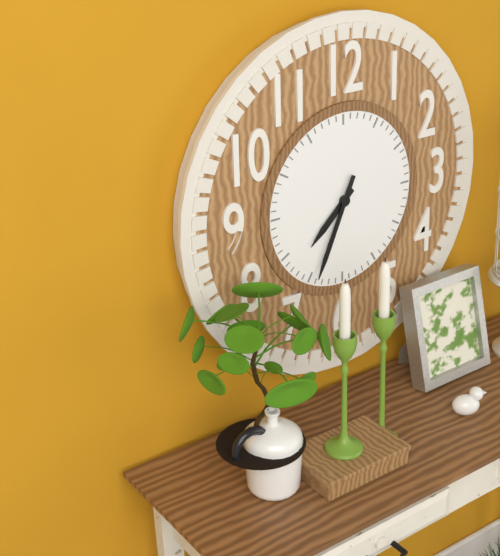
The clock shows 7.34
